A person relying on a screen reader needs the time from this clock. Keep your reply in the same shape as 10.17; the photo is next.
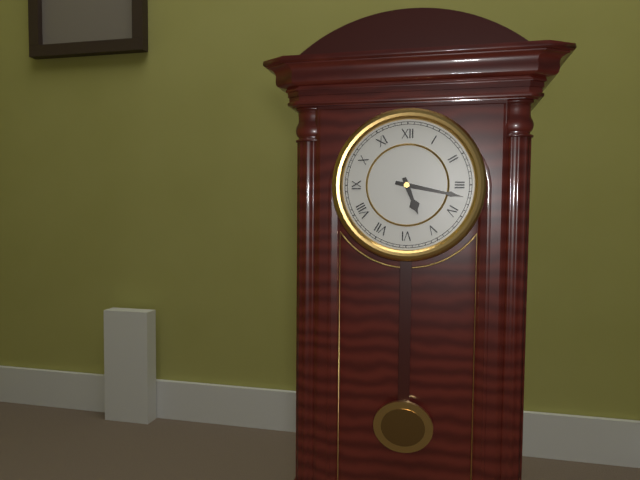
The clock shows 5.17
